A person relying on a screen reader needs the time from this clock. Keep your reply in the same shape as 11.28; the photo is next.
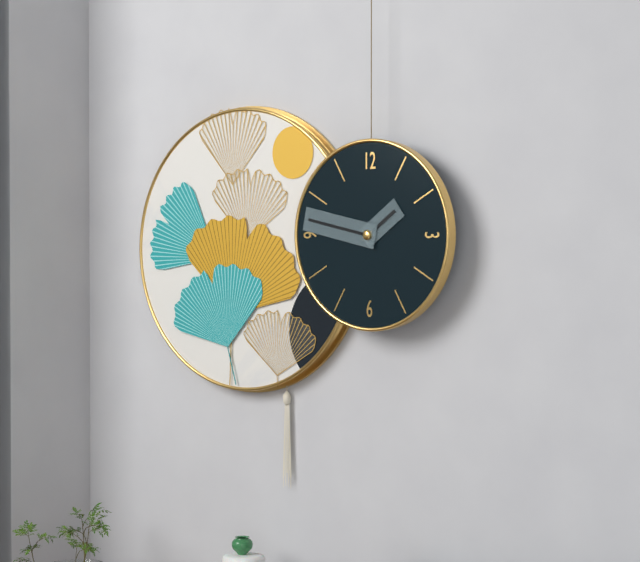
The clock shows 1.47
